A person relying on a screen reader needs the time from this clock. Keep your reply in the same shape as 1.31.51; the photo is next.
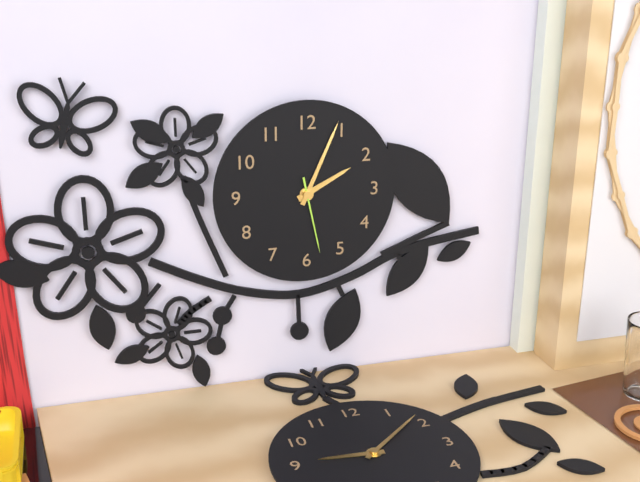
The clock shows 2.04.28
